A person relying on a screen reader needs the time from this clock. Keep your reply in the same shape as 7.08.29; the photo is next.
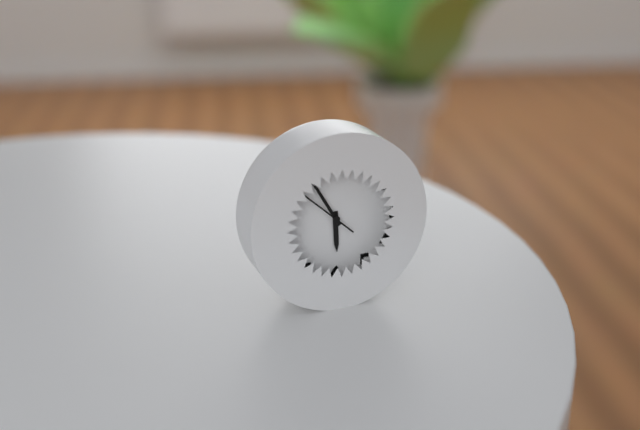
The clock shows 5.55.52
